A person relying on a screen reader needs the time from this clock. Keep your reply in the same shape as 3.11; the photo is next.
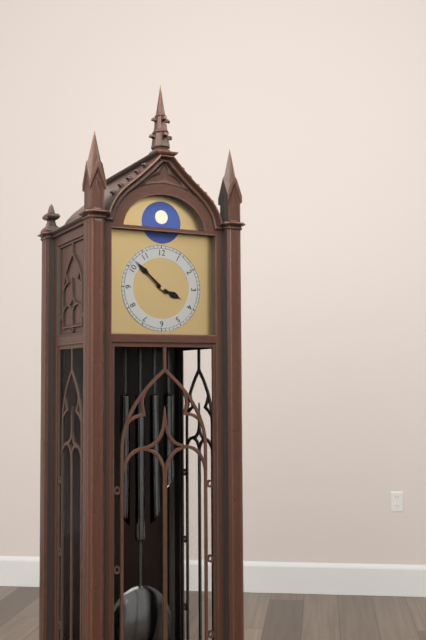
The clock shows 3.52
